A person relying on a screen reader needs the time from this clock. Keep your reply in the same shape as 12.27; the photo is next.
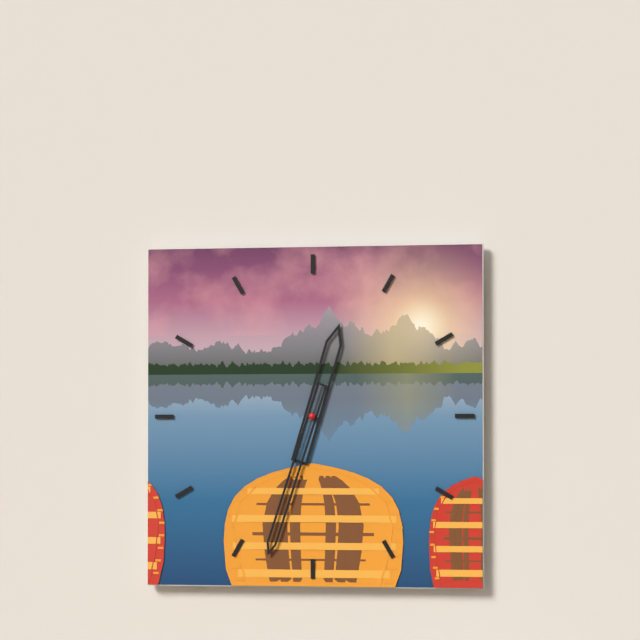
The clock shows 12.33
